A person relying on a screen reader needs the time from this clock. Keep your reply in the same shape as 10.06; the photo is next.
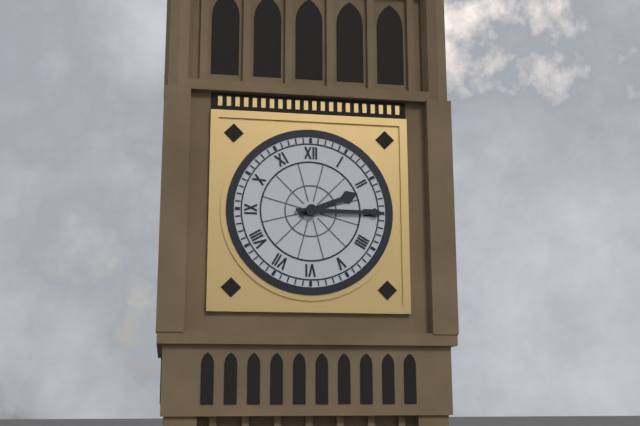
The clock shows 2.15
